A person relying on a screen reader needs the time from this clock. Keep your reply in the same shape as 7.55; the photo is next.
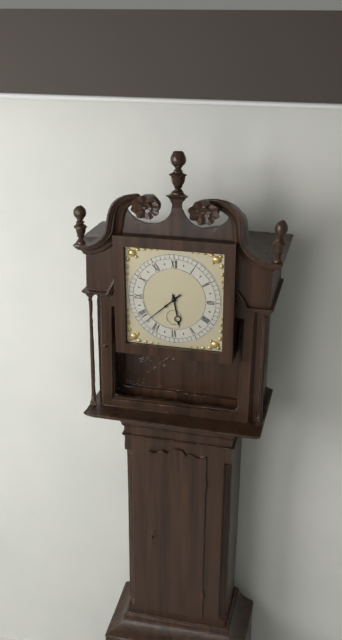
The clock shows 5.38
